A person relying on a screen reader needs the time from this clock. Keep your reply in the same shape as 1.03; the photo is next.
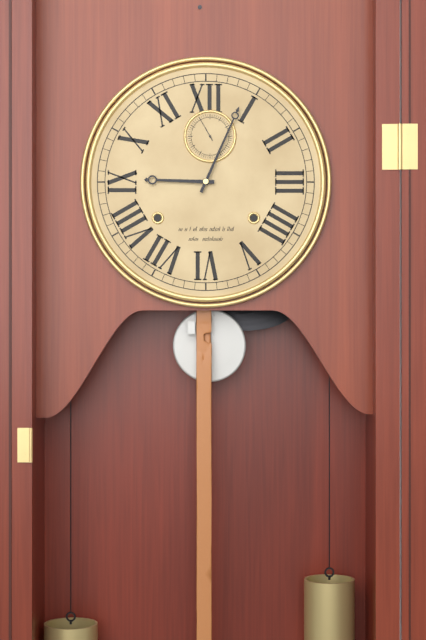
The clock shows 9.04
